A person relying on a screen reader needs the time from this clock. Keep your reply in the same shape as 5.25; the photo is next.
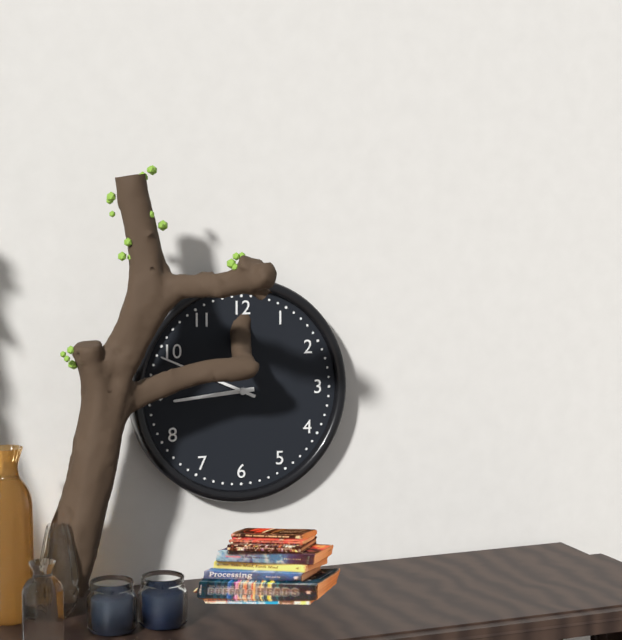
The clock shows 8.49
